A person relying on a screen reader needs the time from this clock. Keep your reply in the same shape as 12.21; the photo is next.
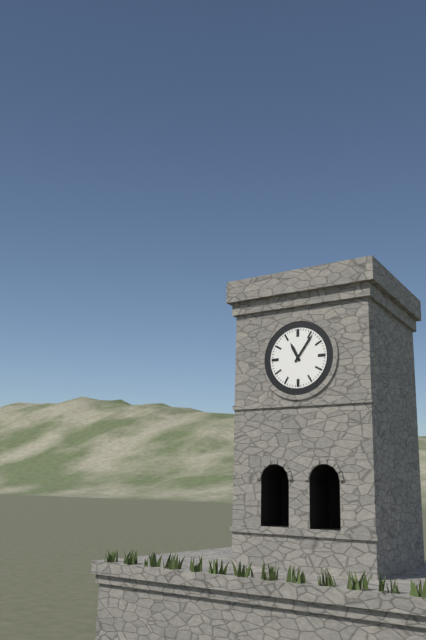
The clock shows 11.06
